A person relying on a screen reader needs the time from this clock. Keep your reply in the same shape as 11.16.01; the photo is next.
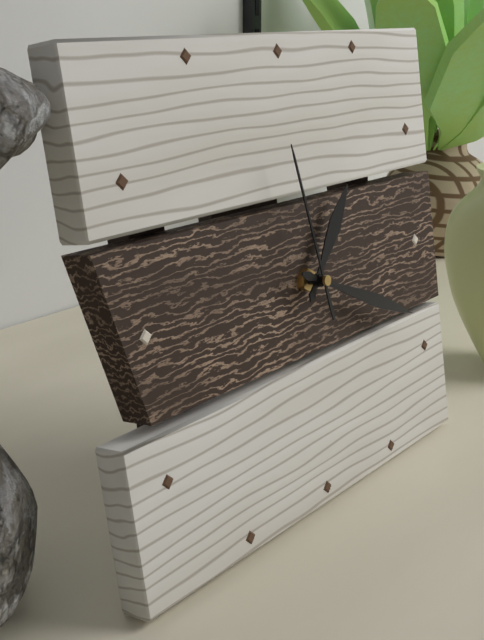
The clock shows 1.19.58
